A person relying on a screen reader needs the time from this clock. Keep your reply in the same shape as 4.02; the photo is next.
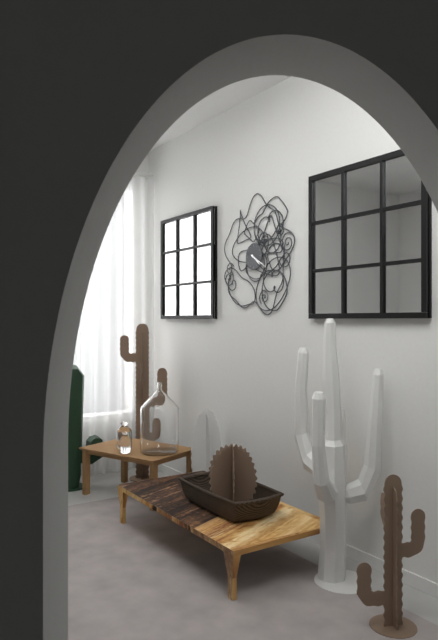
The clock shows 4.20
